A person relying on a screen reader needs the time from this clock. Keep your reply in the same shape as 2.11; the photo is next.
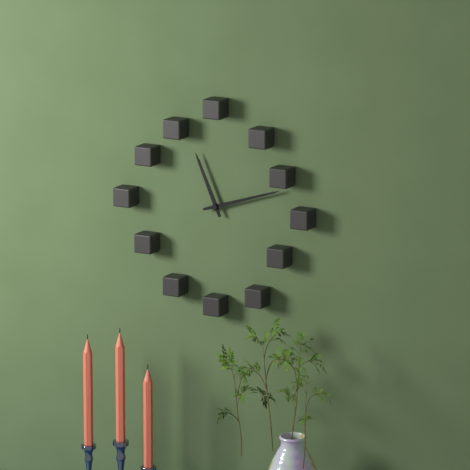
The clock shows 11.12
